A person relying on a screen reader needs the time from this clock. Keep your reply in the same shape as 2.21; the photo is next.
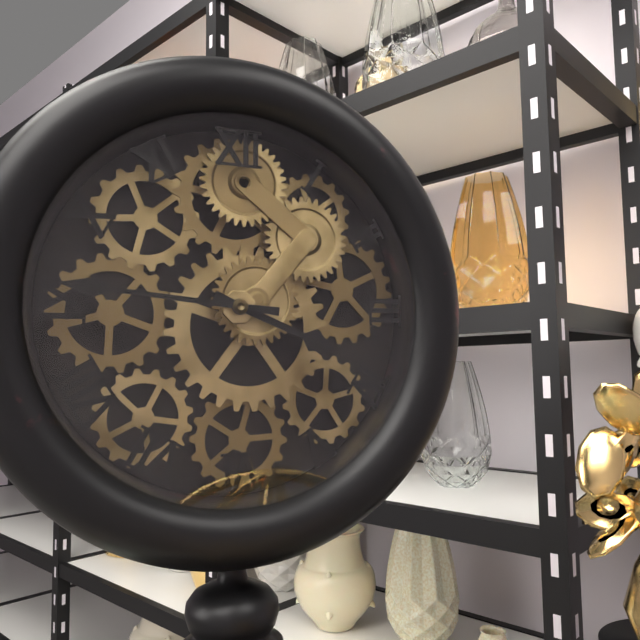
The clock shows 3.46
